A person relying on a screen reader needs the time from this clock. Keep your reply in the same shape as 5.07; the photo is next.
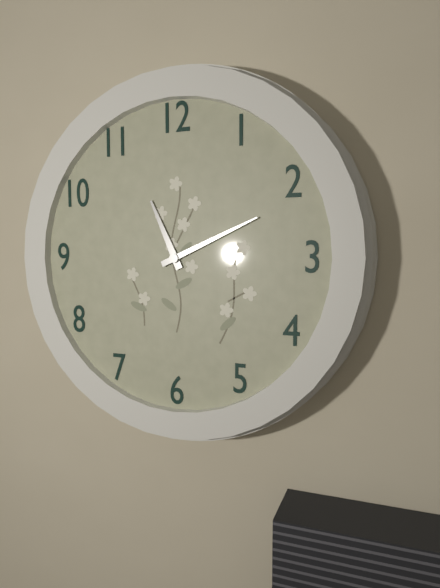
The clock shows 11.11
